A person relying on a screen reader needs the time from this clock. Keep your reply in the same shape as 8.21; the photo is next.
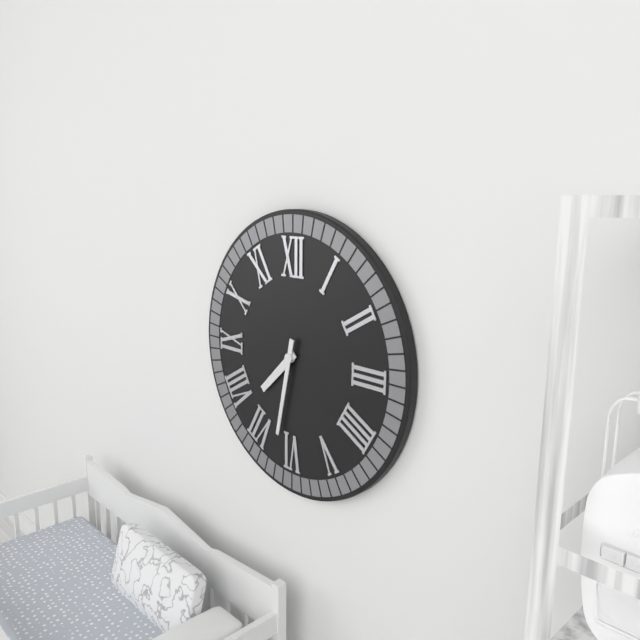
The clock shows 7.32
